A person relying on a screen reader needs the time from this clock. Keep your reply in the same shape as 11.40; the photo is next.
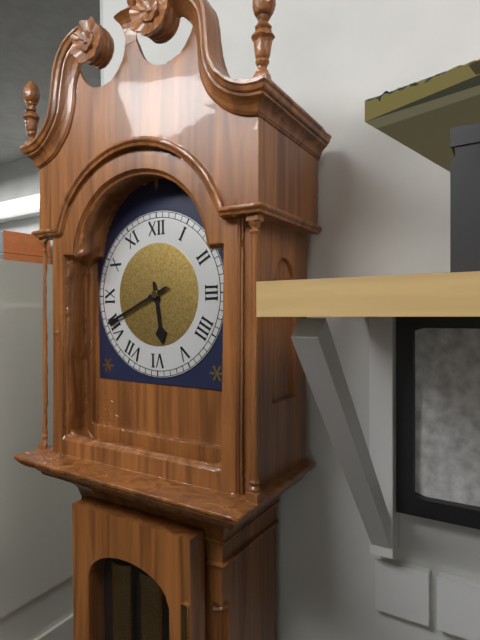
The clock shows 5.41
